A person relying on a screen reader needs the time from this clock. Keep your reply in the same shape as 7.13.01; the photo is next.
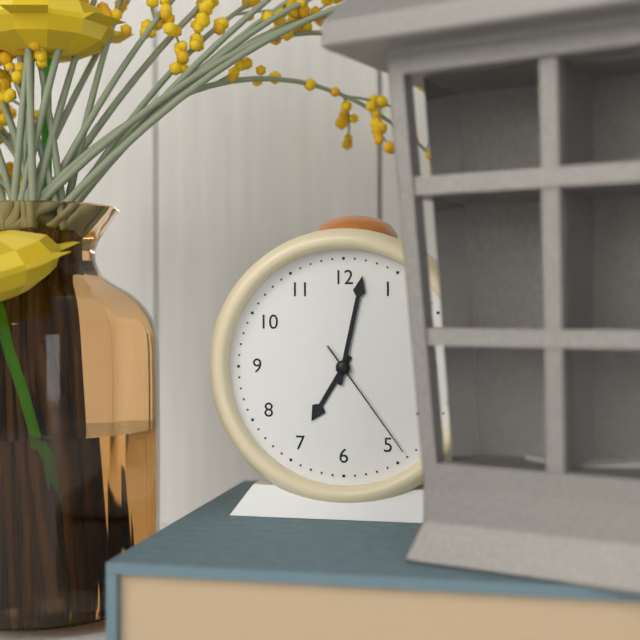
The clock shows 7.02.24
